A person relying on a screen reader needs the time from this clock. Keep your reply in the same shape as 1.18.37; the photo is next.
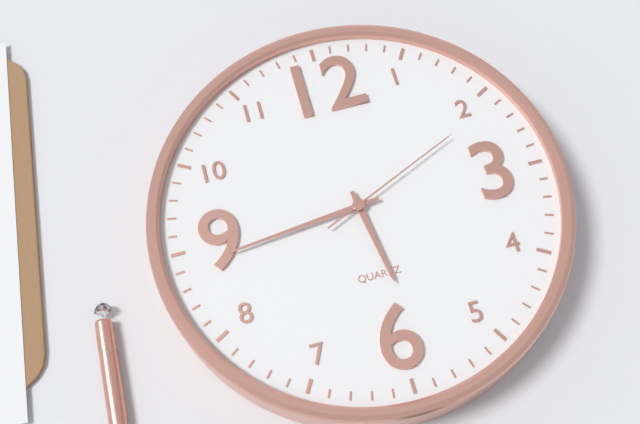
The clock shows 5.44.11
